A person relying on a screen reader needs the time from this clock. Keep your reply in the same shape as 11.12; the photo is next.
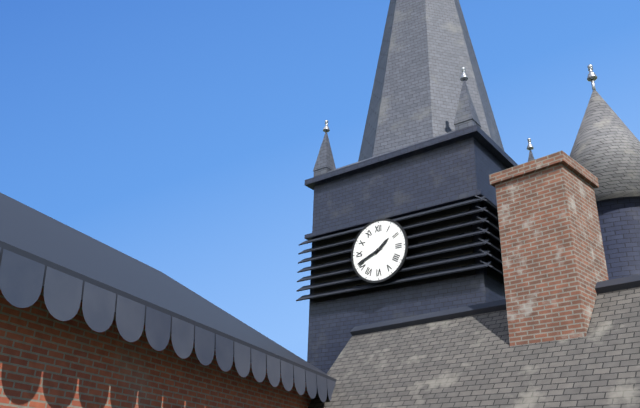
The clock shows 1.41
